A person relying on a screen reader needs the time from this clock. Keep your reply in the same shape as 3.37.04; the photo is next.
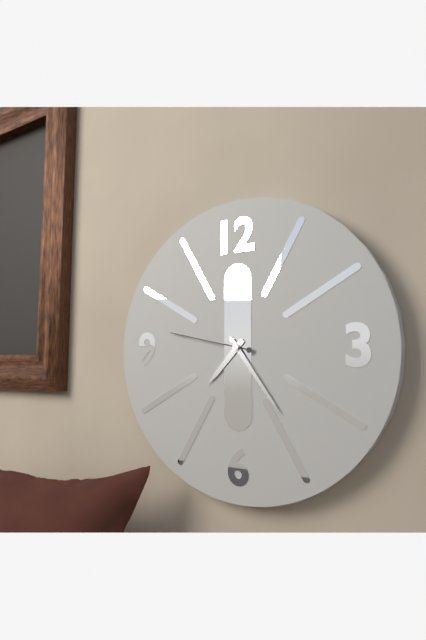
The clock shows 7.24.47
